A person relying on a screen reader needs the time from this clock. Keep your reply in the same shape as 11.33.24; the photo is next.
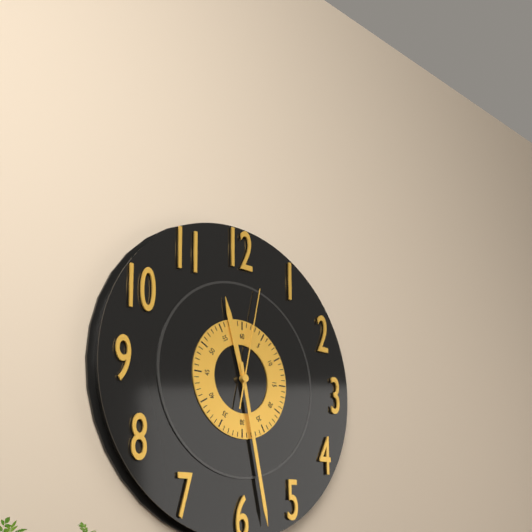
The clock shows 11.28.02
